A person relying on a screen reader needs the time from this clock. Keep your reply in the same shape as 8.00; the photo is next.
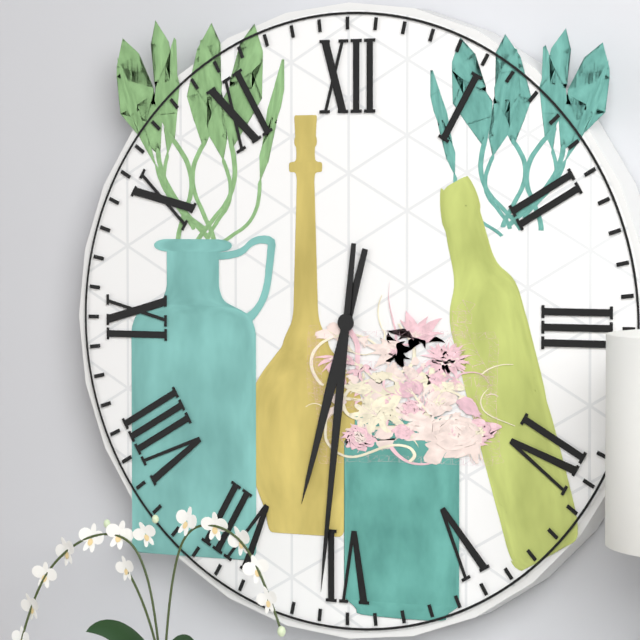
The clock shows 6.31
